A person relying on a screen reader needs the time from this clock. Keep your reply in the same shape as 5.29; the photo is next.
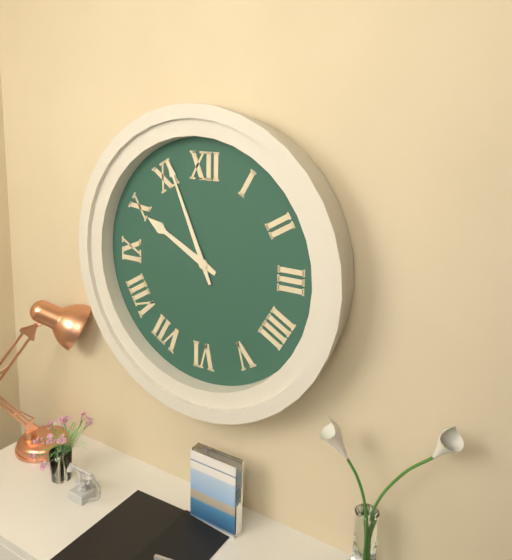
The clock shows 9.56
